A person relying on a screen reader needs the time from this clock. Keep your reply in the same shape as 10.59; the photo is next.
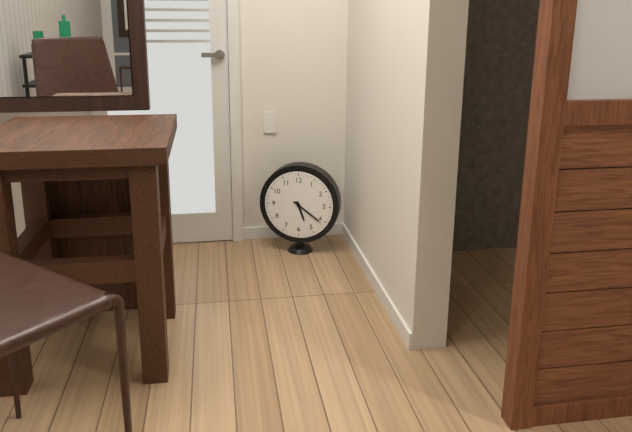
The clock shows 5.21
